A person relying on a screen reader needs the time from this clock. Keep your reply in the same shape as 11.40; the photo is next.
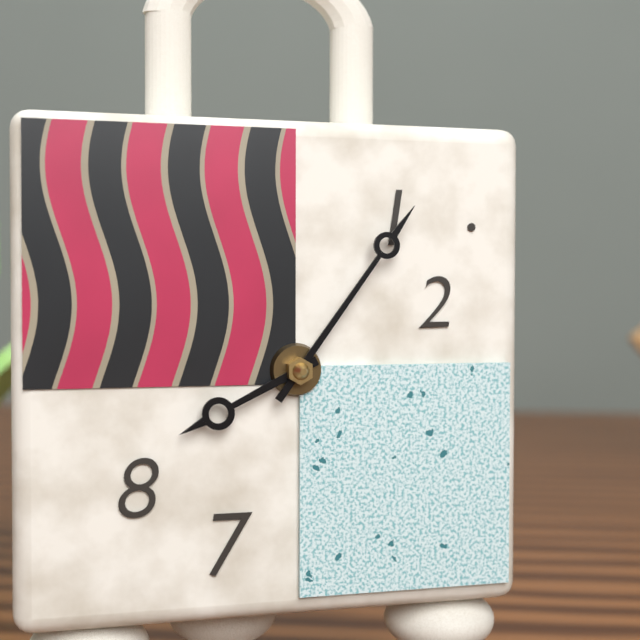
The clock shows 8.06
